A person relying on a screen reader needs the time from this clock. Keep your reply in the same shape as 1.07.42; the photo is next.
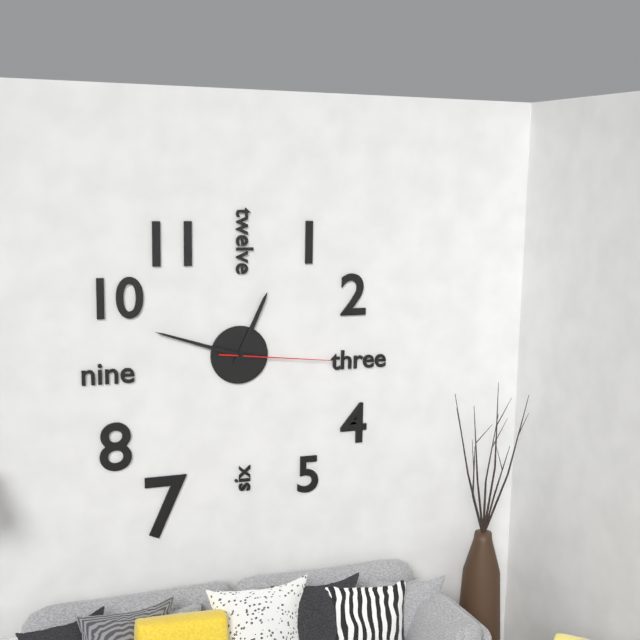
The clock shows 12.48.16
